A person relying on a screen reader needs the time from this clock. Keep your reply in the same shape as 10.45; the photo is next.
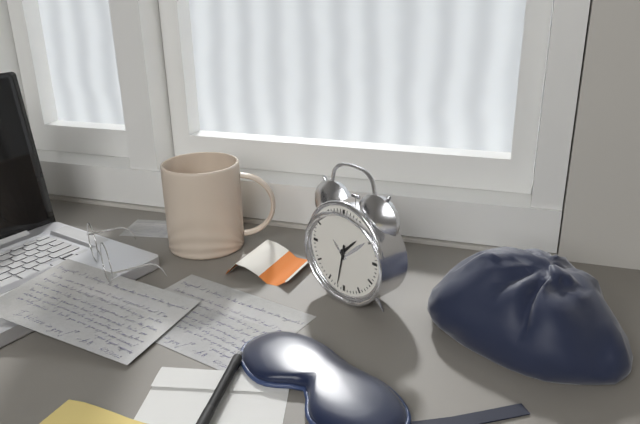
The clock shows 1.32
